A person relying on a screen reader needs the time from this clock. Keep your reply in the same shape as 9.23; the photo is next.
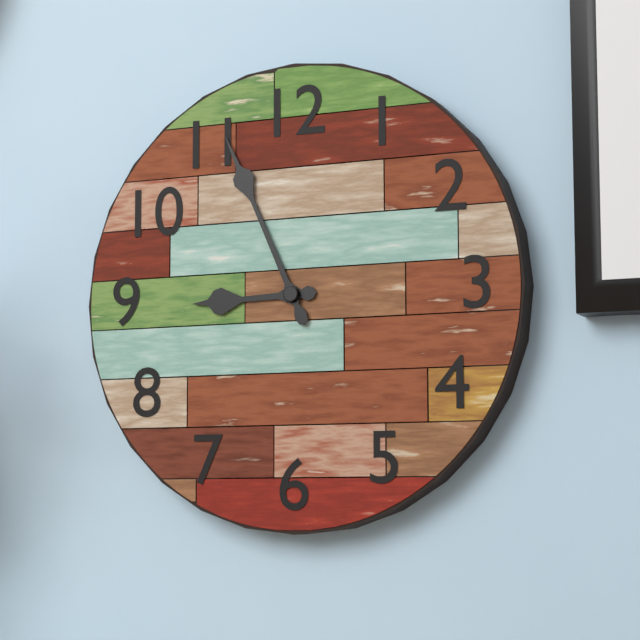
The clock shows 8.56
